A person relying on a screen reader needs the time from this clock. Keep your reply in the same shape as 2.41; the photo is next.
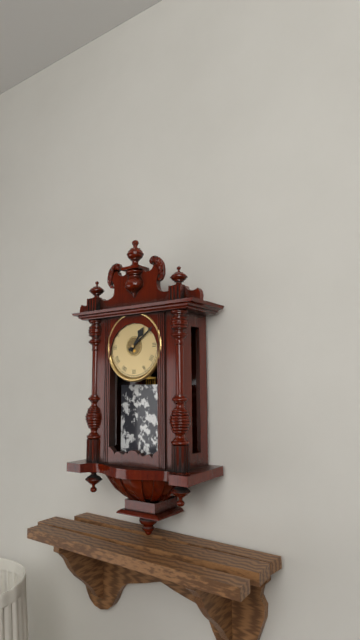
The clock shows 1.09
